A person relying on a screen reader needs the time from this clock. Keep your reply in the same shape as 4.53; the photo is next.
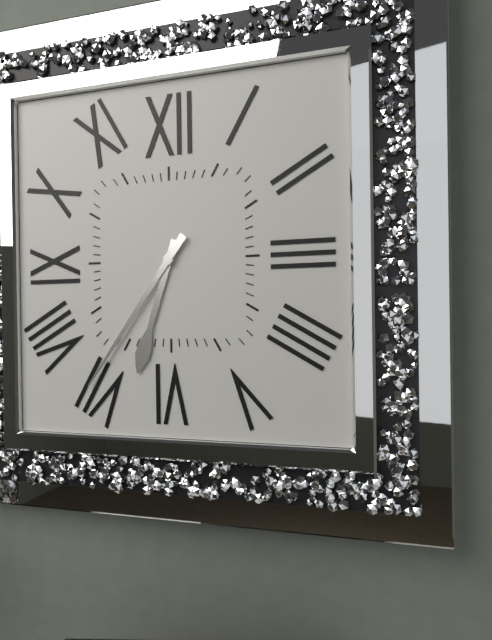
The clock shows 6.36
